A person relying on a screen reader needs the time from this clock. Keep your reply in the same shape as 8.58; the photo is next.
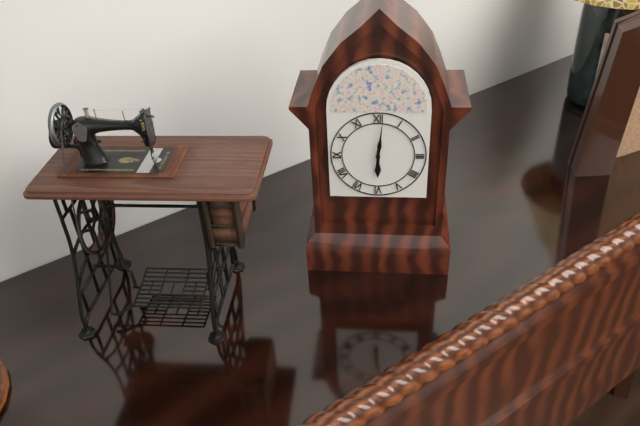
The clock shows 6.01
